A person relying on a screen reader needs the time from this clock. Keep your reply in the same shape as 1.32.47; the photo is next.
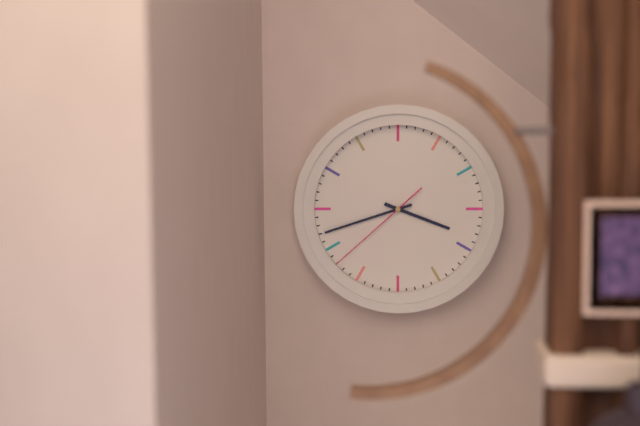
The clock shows 3.42.38
